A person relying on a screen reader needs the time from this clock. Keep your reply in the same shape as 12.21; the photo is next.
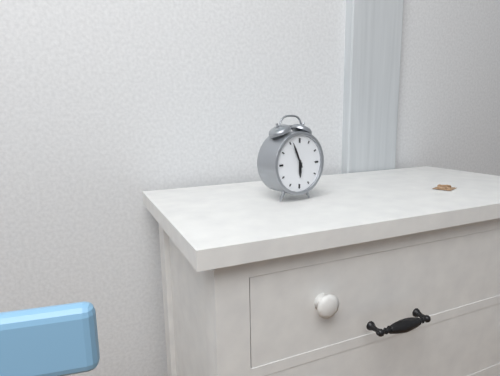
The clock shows 5.56
